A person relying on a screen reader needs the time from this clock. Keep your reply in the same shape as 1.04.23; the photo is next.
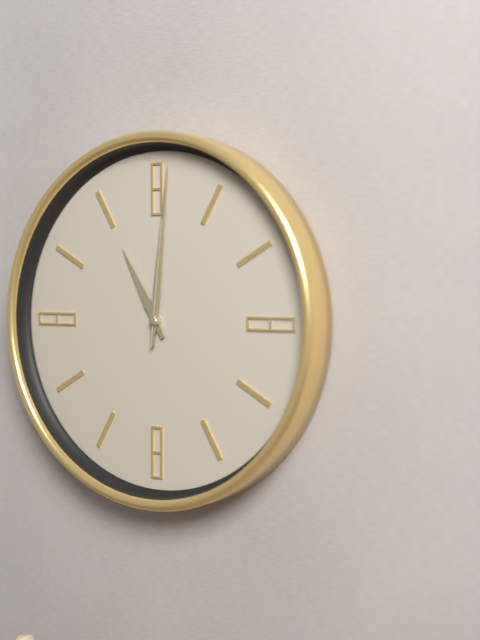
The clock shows 11.01.01
